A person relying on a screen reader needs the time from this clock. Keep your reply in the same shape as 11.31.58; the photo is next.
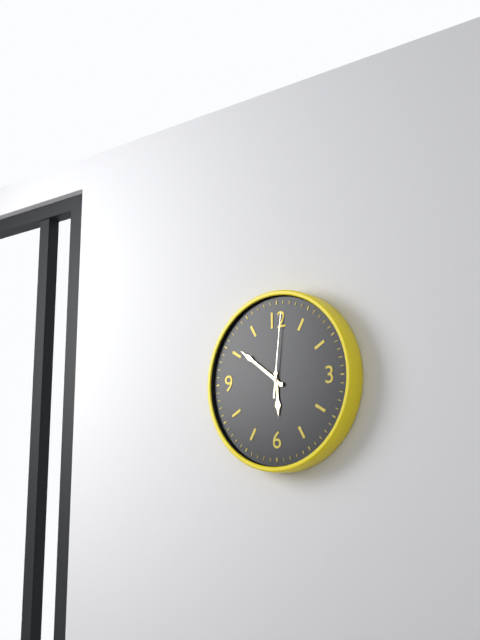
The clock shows 5.51.01
